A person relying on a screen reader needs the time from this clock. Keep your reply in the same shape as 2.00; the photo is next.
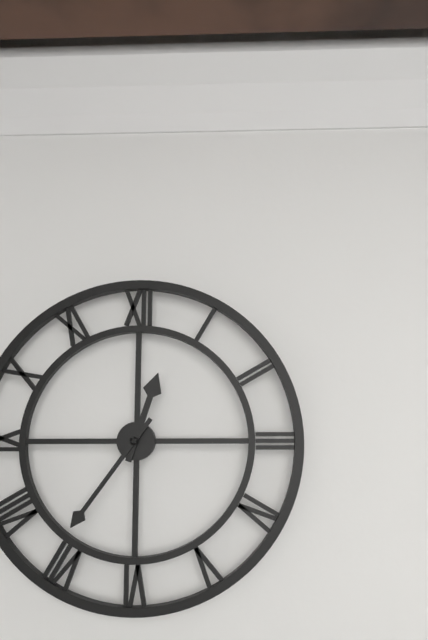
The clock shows 12.36
